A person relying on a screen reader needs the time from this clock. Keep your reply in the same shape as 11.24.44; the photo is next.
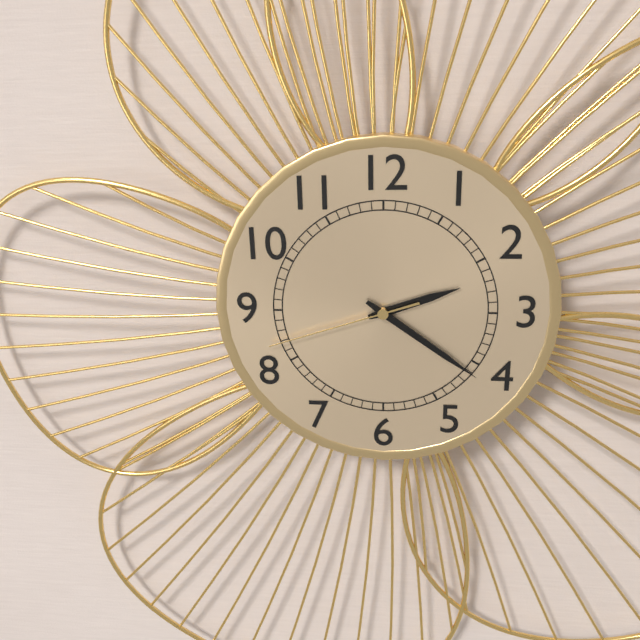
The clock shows 2.21.42
